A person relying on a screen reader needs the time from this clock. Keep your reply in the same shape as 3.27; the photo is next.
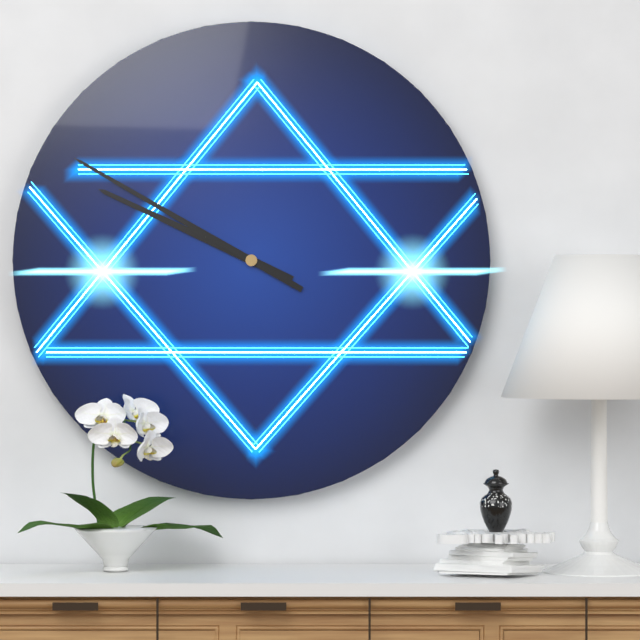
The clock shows 9.50
